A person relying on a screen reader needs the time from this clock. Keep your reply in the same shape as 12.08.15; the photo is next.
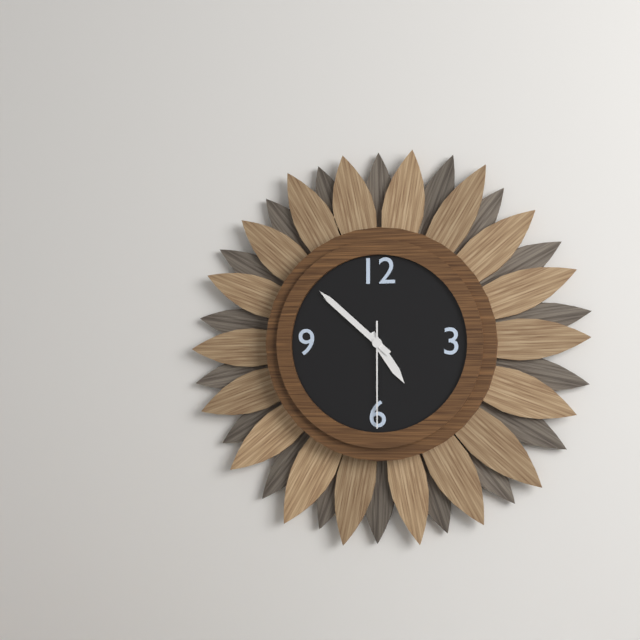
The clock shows 4.52.30
